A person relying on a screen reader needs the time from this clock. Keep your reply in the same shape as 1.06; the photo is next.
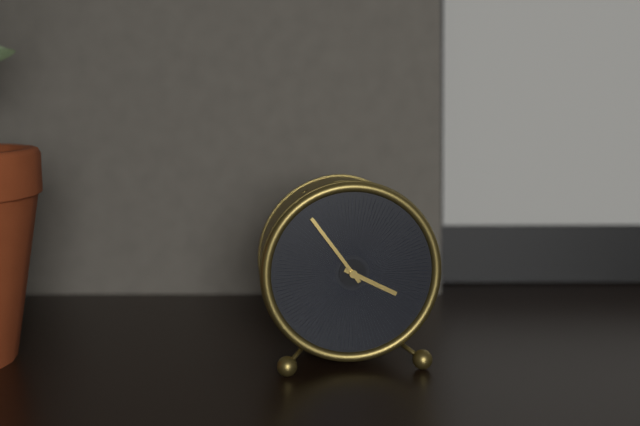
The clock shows 3.54
